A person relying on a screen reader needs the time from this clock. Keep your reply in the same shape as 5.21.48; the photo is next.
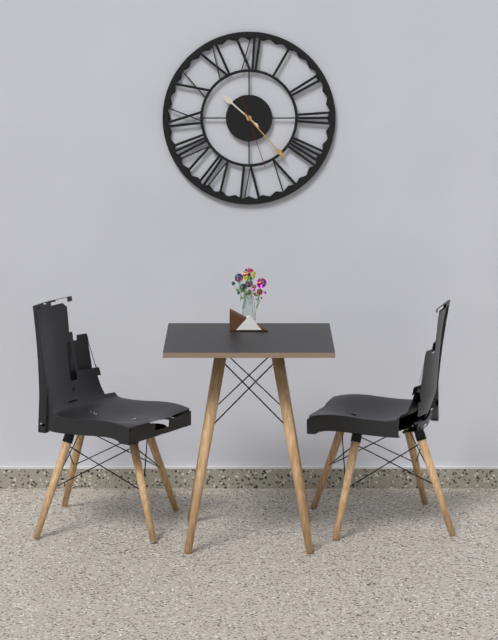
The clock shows 10.23.27
